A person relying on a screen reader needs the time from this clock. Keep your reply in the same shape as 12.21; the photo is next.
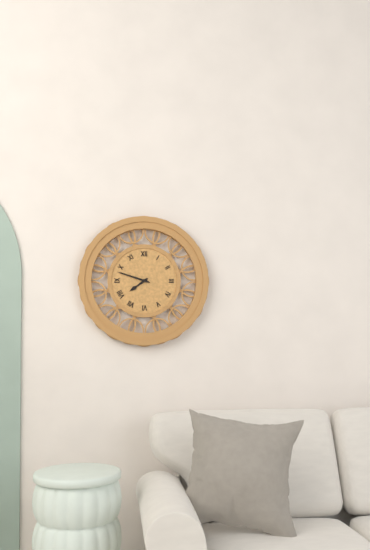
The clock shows 7.48
